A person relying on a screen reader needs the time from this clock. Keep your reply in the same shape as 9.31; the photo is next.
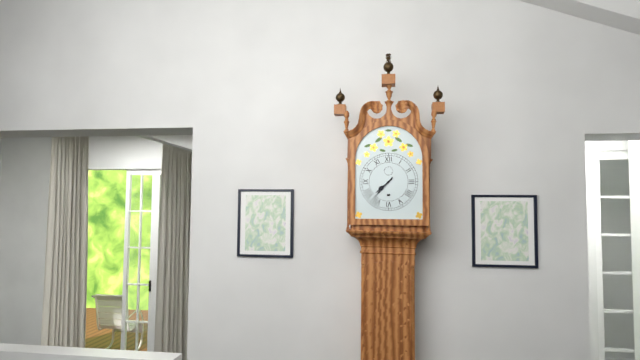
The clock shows 7.37
